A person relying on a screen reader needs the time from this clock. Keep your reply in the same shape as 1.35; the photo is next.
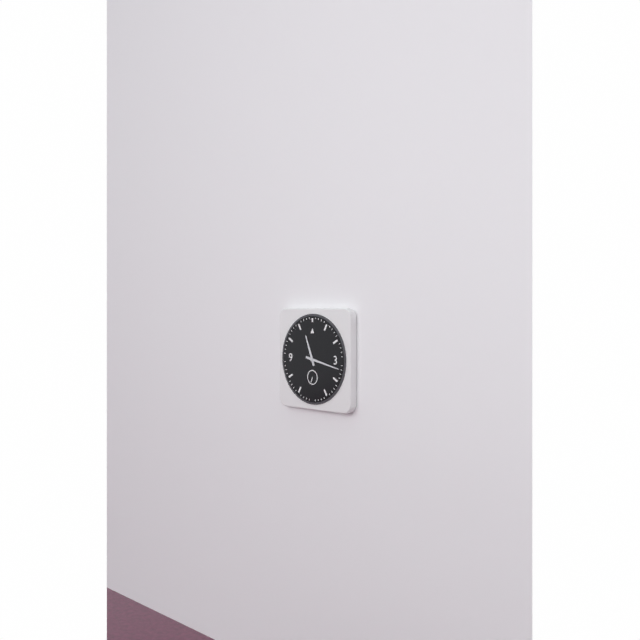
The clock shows 11.17
